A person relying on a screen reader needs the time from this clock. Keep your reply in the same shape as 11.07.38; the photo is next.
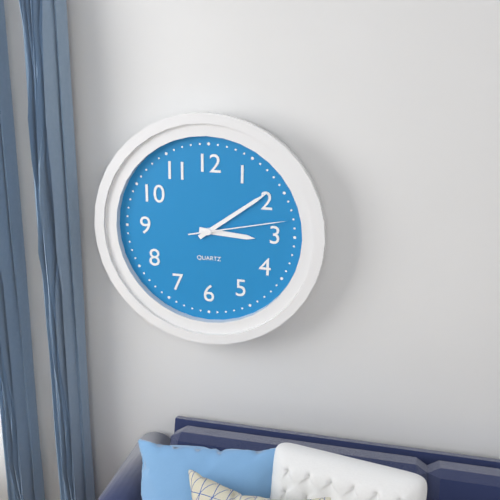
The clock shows 3.09.13
